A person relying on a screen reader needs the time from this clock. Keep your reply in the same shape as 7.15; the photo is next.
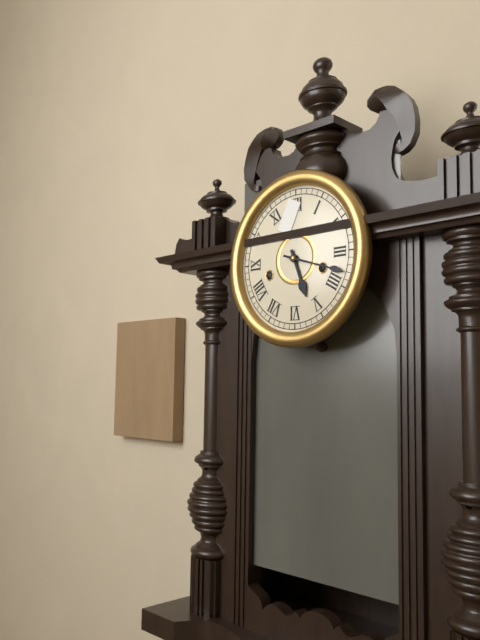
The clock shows 5.18
